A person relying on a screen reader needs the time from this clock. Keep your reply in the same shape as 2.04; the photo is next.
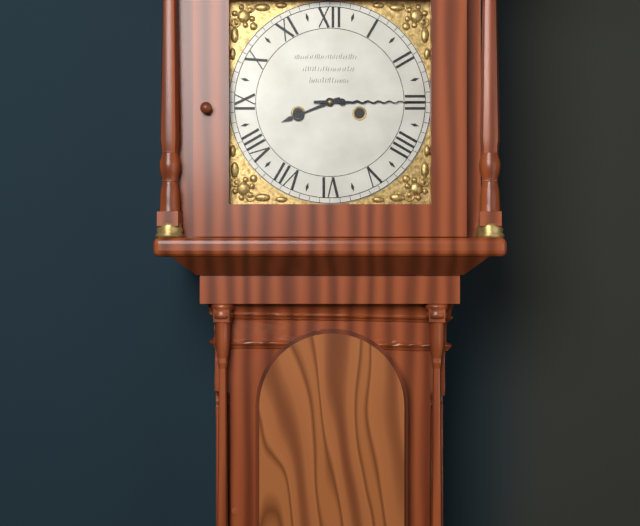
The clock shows 8.15
